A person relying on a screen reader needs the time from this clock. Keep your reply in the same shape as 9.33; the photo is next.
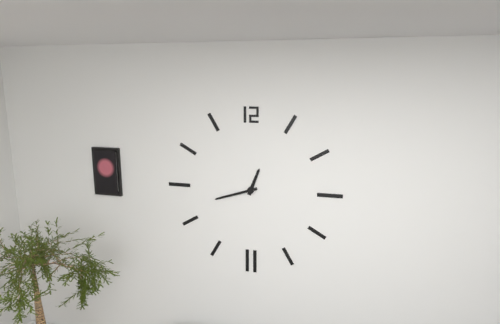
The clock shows 12.42
